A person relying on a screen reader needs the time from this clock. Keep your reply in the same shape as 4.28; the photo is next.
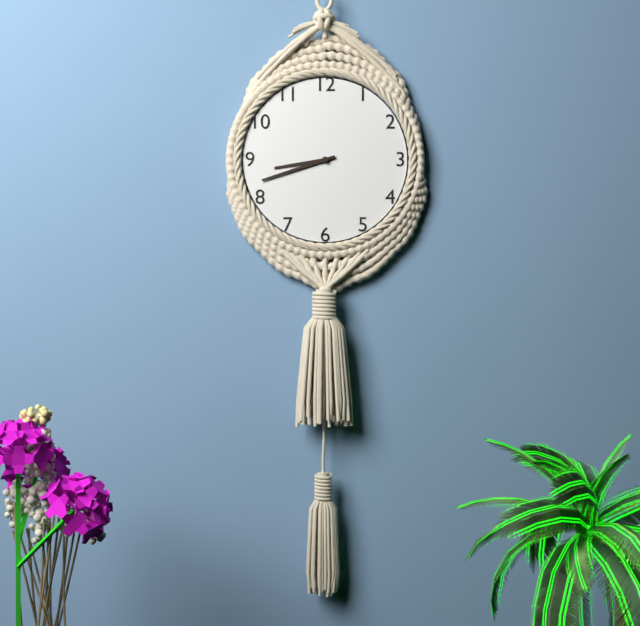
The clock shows 8.42
